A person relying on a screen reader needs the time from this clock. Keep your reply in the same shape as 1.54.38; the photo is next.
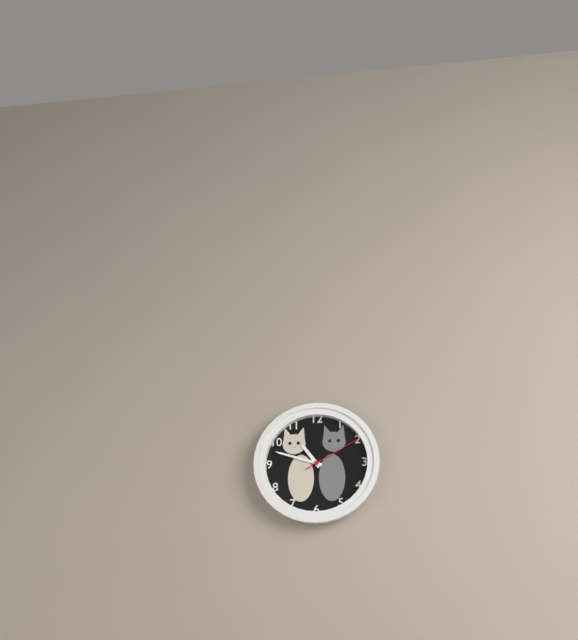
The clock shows 10.48.10
